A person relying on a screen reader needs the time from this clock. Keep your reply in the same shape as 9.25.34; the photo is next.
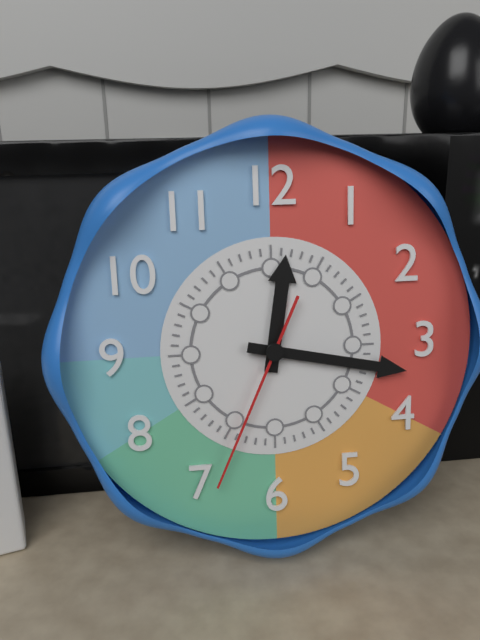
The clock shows 12.17.34
